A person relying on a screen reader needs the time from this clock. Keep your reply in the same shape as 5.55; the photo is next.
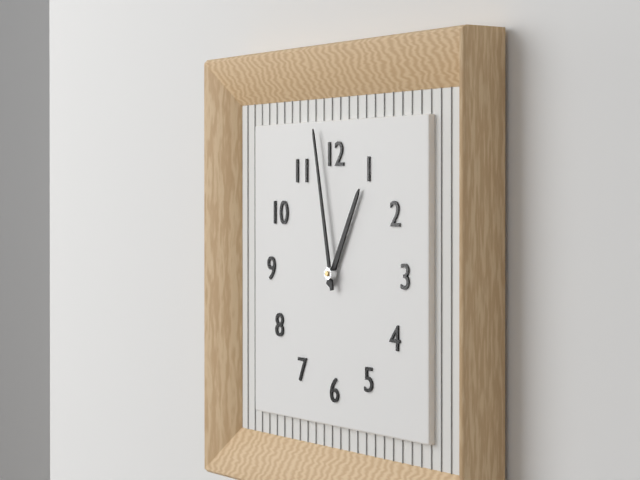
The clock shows 12.58
